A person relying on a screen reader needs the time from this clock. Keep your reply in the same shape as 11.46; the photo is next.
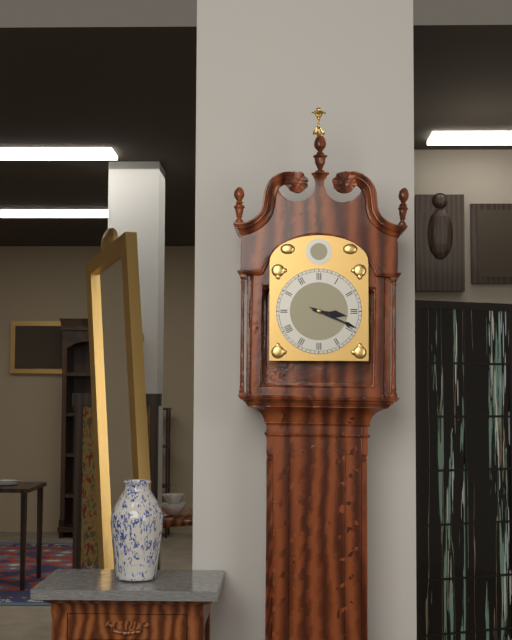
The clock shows 3.19
